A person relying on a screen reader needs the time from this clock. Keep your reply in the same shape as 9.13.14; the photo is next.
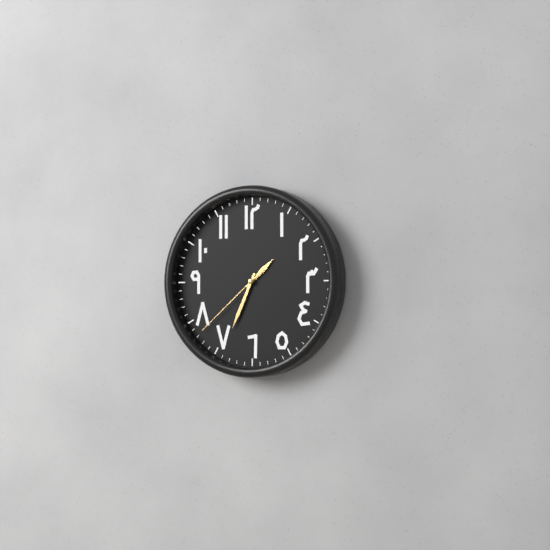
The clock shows 1.34.38
